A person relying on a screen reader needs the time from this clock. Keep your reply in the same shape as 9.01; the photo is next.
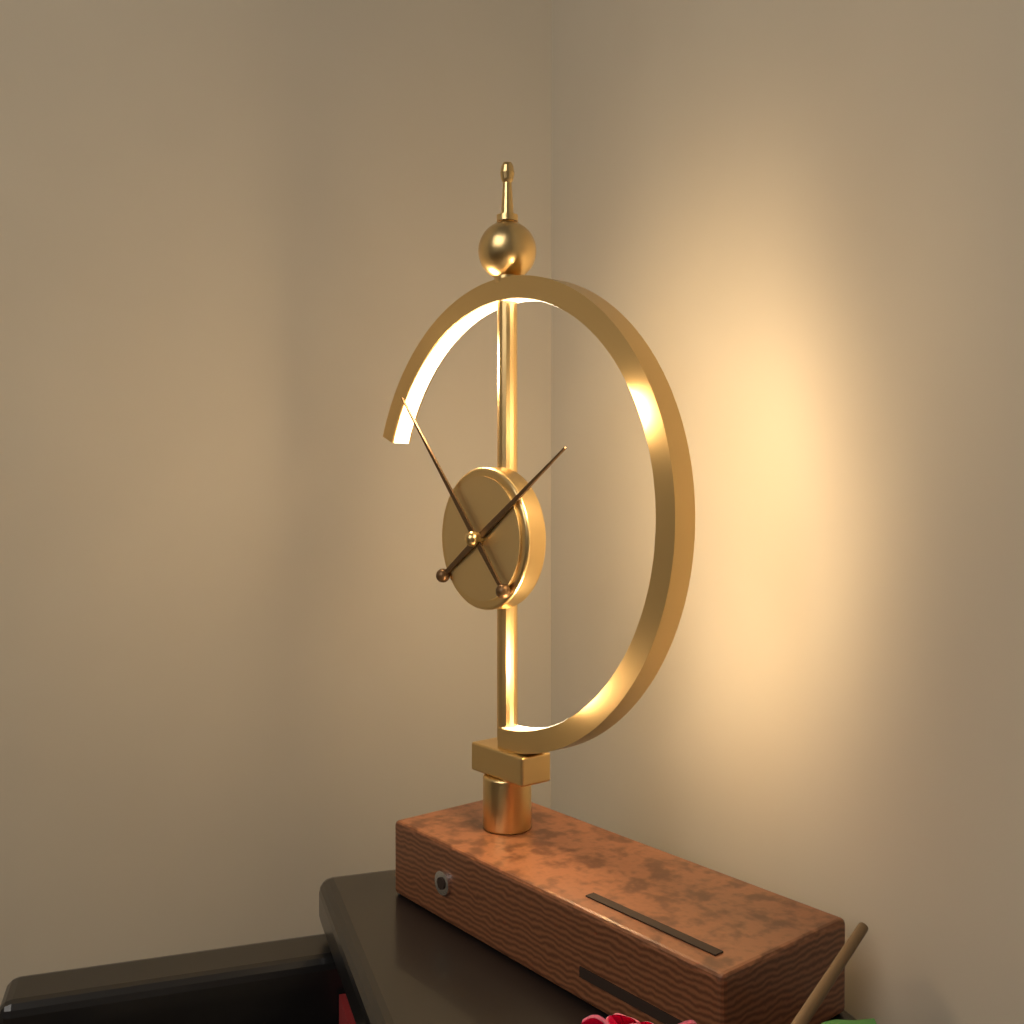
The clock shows 1.53
